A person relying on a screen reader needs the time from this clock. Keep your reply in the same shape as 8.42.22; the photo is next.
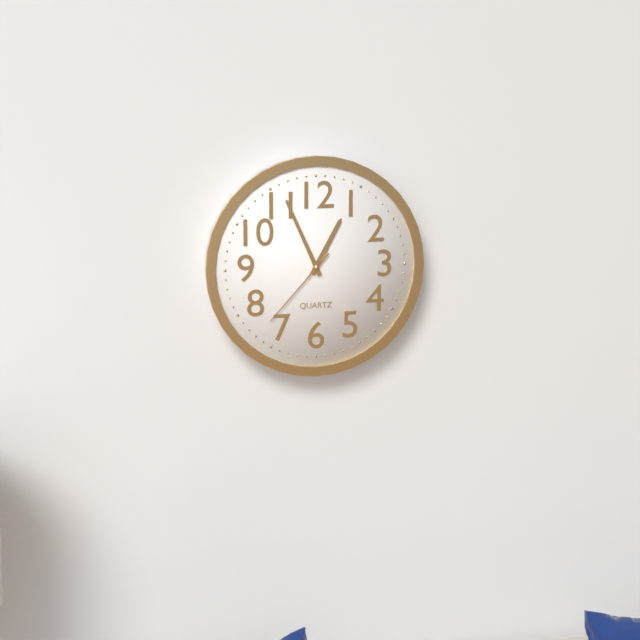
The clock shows 12.56.37
